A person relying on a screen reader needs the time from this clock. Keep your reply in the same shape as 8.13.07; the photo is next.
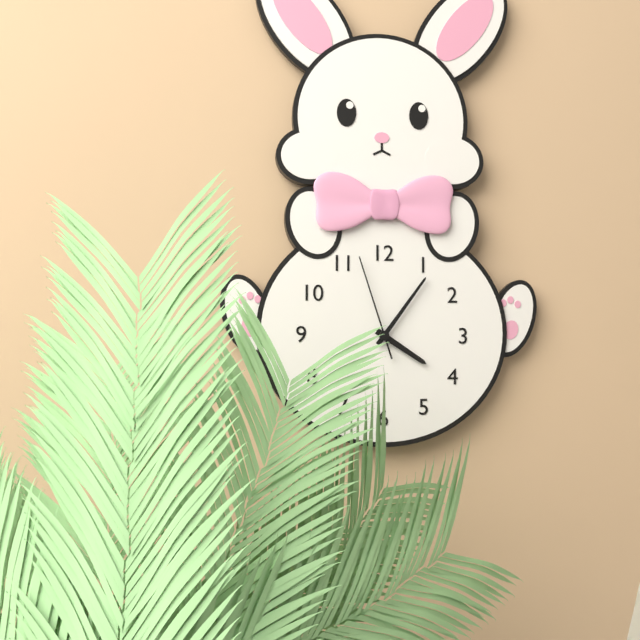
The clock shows 4.06.57
